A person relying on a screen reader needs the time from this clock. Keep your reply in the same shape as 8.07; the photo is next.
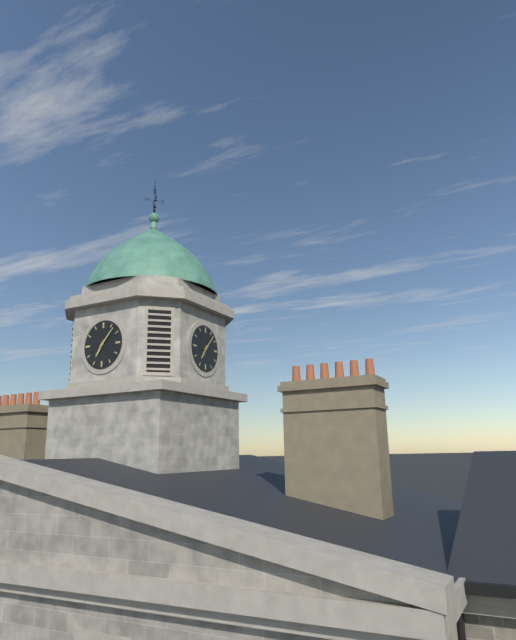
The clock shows 7.07
